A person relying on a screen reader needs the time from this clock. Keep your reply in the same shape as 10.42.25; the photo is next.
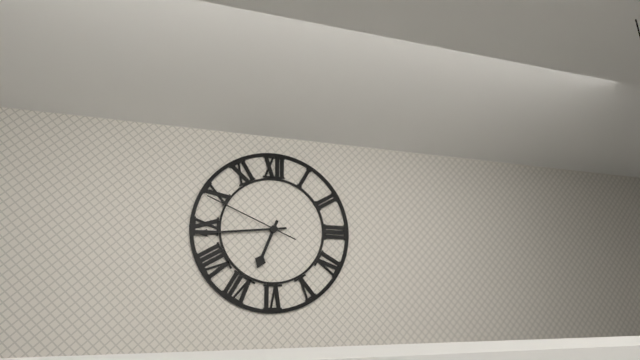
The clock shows 6.44.49
